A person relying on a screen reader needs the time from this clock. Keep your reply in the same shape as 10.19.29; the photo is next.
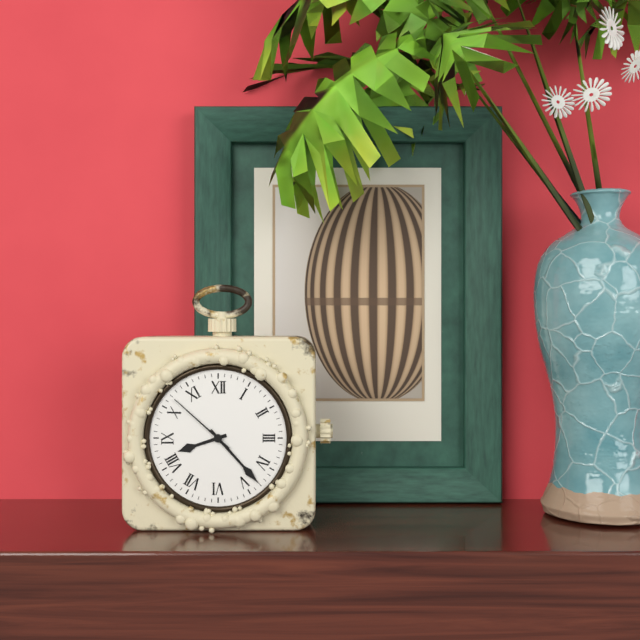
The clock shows 8.23.52
